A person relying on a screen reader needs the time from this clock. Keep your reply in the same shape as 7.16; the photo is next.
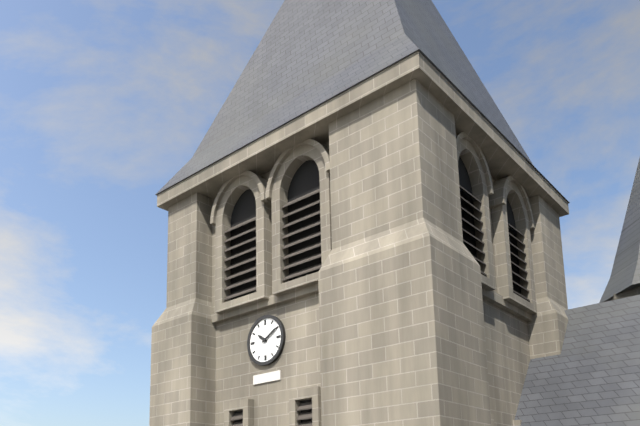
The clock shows 10.10
